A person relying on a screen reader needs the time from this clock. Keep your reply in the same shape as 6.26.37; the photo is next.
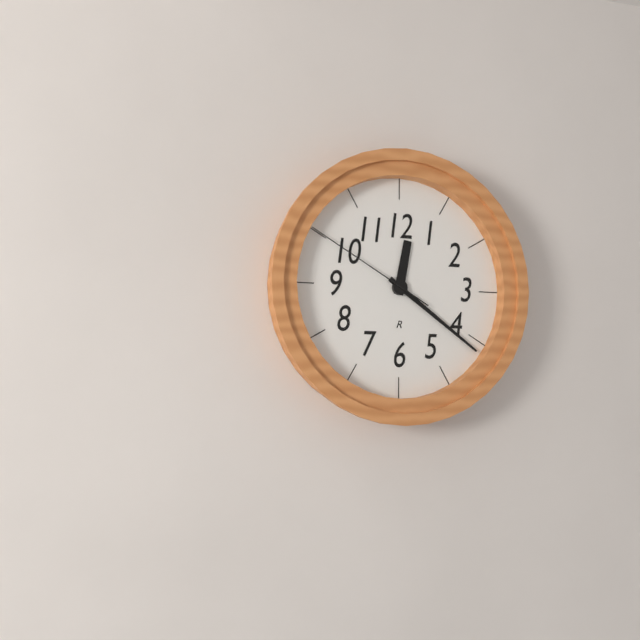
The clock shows 12.21.50
